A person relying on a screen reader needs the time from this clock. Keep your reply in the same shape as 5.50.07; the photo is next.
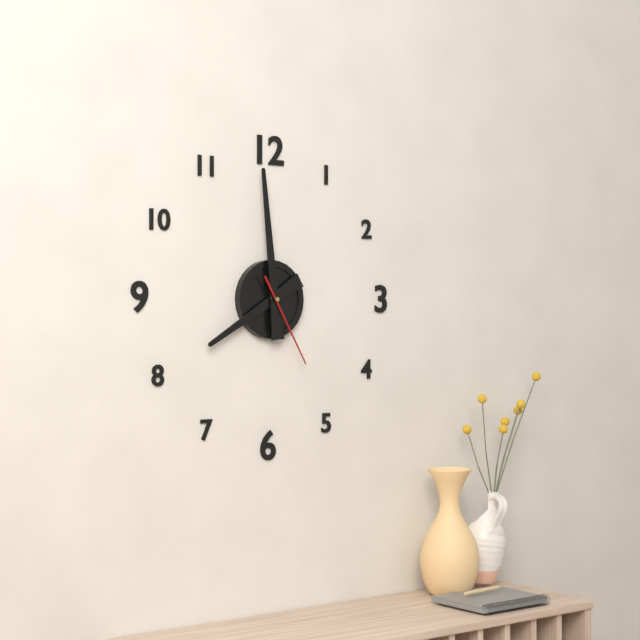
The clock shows 7.59.25
